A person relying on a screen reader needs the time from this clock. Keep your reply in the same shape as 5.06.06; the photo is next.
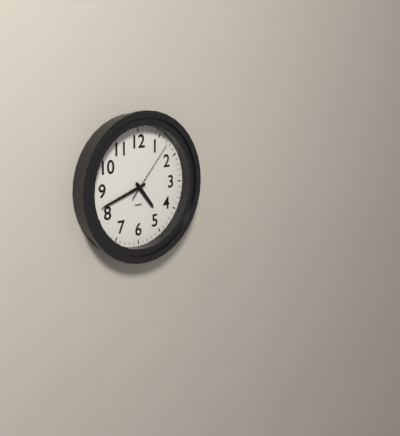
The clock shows 4.42.07
